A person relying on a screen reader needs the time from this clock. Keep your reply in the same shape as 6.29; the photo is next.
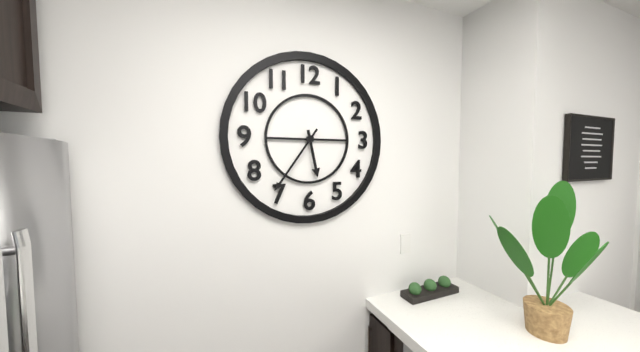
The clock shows 5.36
